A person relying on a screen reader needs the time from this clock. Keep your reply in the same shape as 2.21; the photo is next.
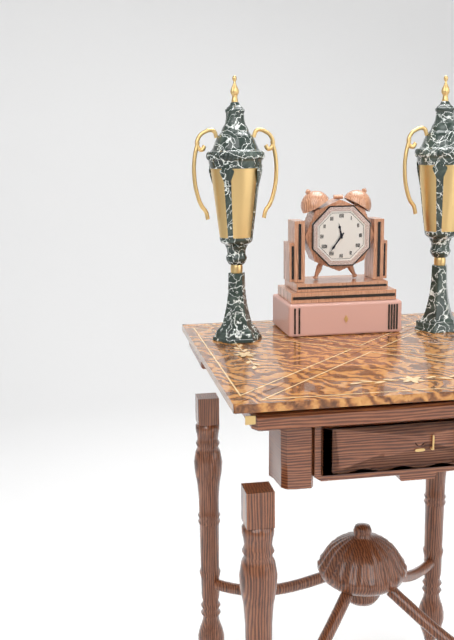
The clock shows 11.36
